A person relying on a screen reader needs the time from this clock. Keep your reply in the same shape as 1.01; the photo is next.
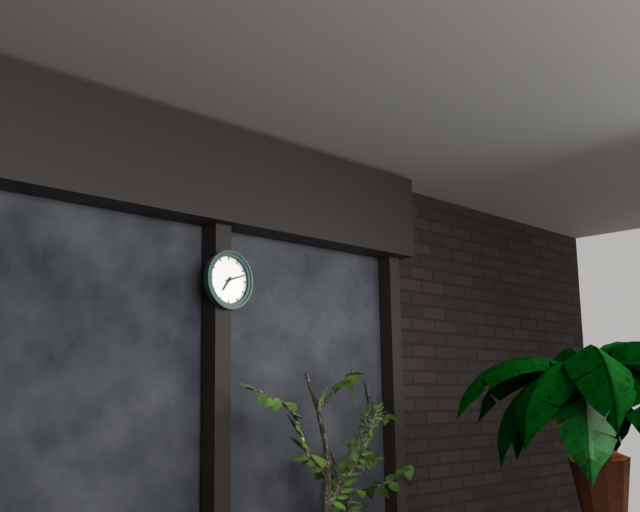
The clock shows 7.12
